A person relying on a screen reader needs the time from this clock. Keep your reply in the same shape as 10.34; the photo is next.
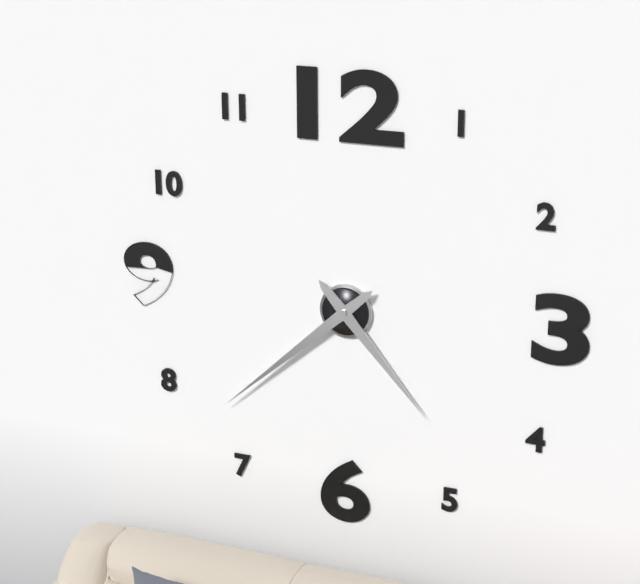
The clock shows 4.38
